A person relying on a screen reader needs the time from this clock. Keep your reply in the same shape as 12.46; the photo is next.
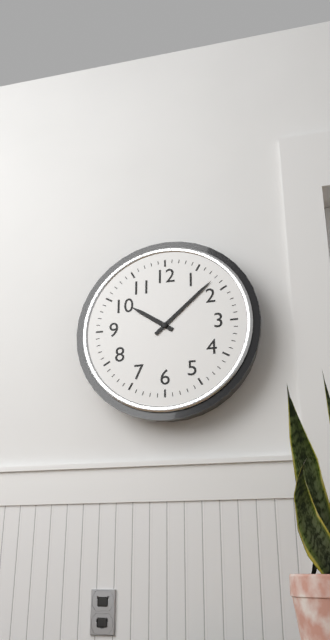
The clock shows 10.08
